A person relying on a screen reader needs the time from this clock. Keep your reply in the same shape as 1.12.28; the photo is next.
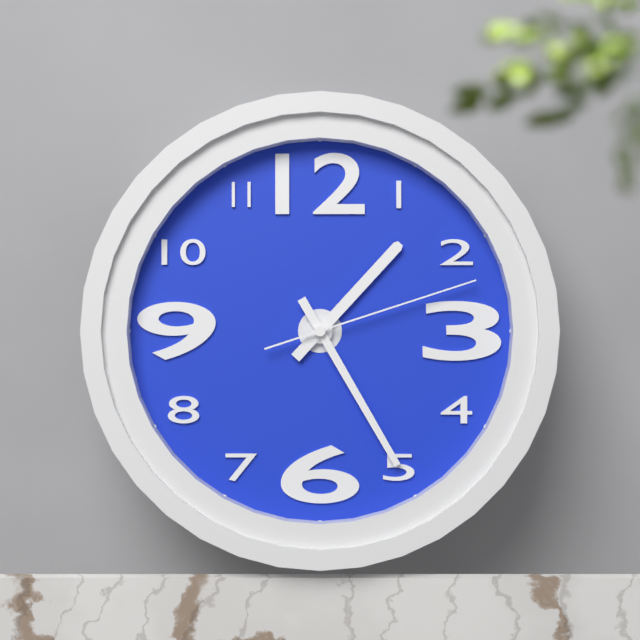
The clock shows 1.25.12
